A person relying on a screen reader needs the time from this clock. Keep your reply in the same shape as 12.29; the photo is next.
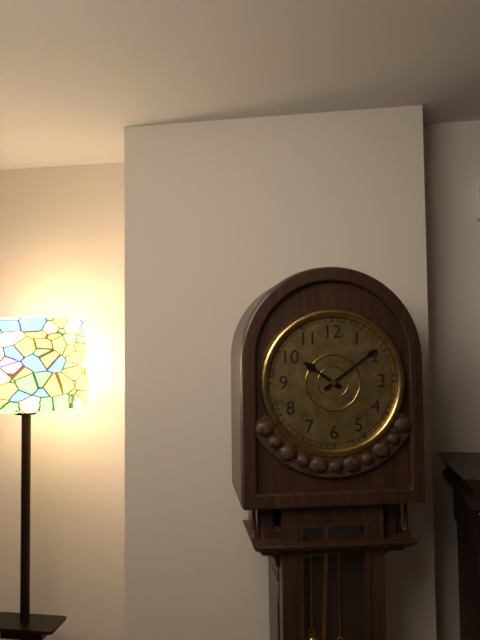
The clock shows 10.09
